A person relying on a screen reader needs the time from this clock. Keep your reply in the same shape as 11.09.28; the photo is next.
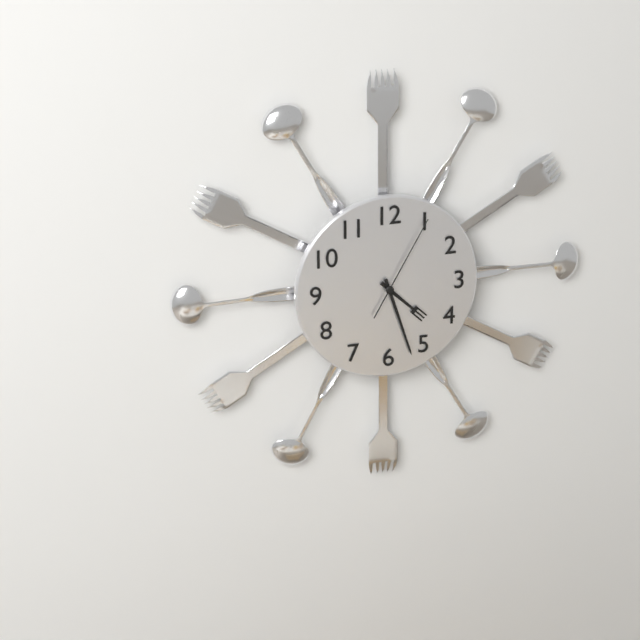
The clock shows 4.27.05
